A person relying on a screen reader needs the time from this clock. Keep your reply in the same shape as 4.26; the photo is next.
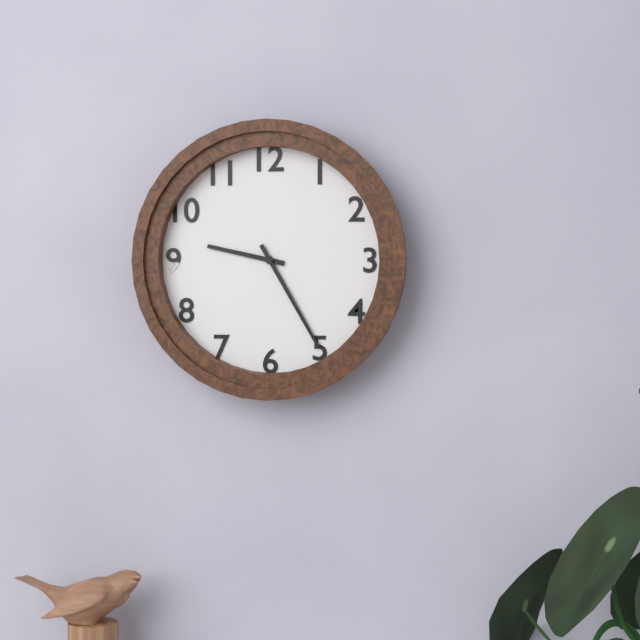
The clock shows 9.25
